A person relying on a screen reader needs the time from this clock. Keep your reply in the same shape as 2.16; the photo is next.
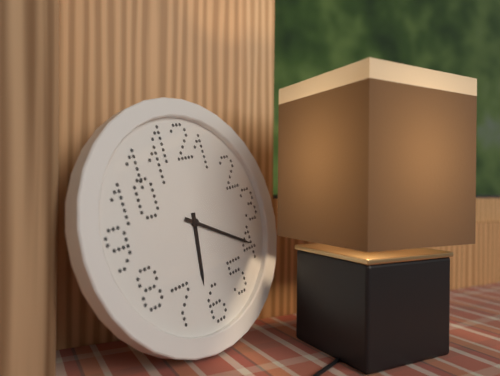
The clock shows 6.20
